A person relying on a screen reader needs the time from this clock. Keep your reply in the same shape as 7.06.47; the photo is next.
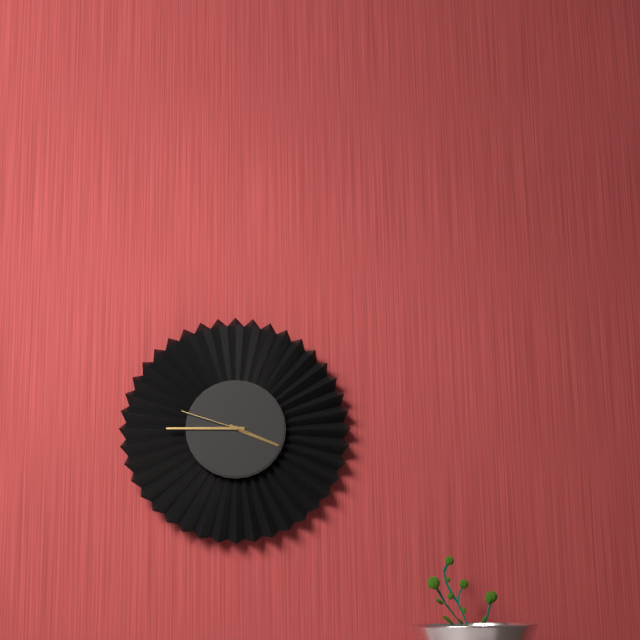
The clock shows 3.45.48
